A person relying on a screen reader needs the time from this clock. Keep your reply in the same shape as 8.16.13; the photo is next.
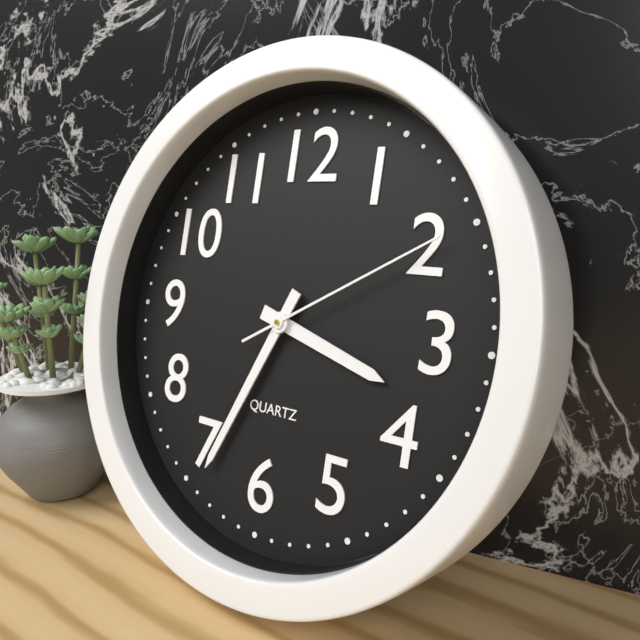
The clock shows 3.34.10
